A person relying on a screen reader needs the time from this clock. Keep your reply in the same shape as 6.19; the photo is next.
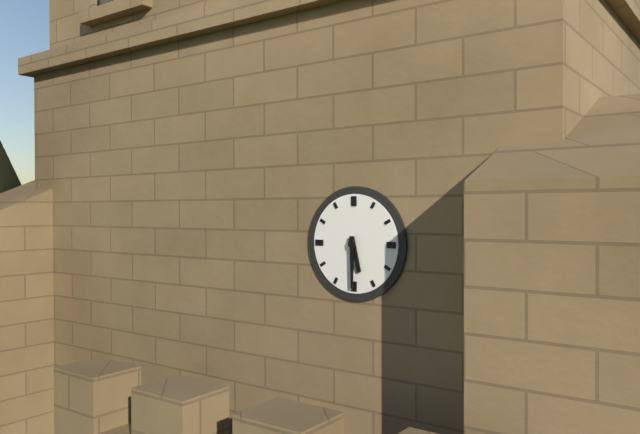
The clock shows 5.30
